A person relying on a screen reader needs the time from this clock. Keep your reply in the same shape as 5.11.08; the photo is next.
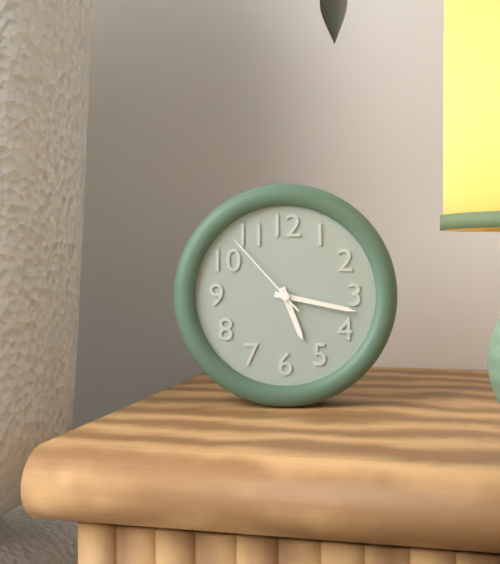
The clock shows 5.17.53
